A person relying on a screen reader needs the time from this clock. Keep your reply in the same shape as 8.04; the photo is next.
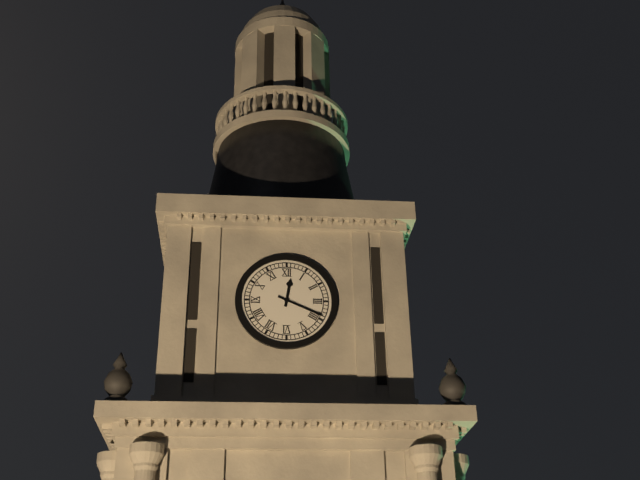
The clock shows 12.19
